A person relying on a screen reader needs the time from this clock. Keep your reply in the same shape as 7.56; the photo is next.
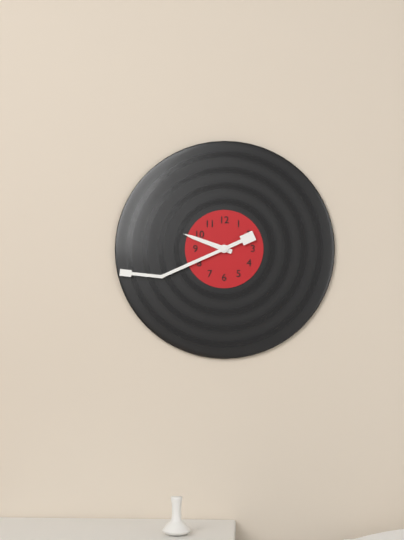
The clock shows 9.41
